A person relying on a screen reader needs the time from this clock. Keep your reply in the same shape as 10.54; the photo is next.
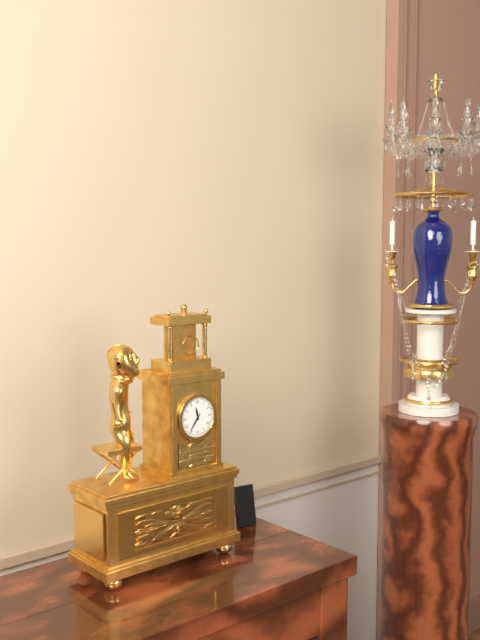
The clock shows 11.36
